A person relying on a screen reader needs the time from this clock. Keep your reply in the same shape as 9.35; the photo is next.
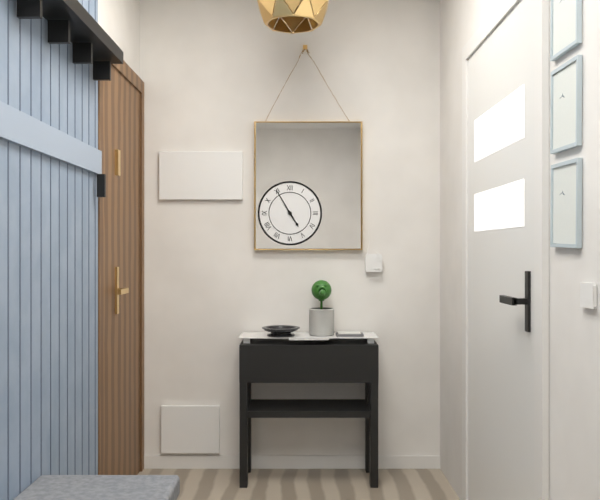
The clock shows 4.55
